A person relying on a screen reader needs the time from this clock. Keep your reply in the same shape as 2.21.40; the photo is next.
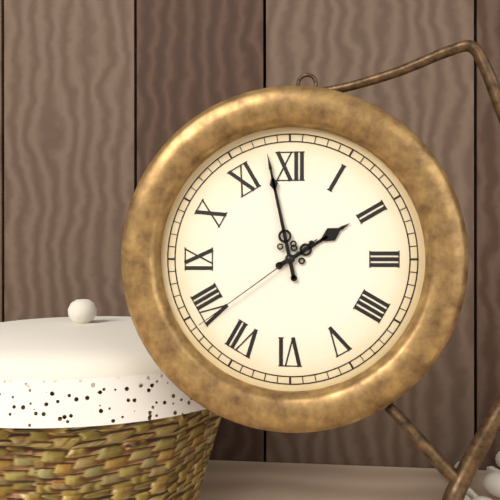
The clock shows 1.58.39
